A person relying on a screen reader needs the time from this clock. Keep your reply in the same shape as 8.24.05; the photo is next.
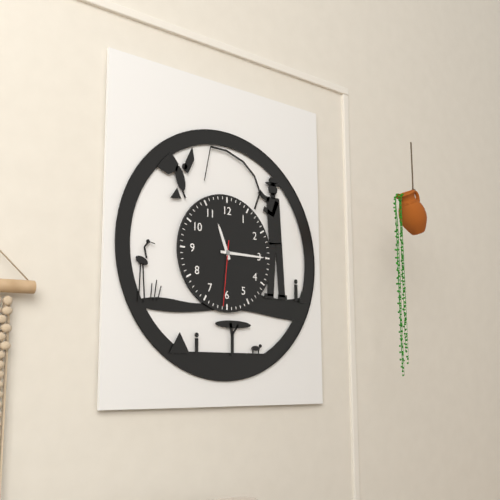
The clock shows 11.15.31
